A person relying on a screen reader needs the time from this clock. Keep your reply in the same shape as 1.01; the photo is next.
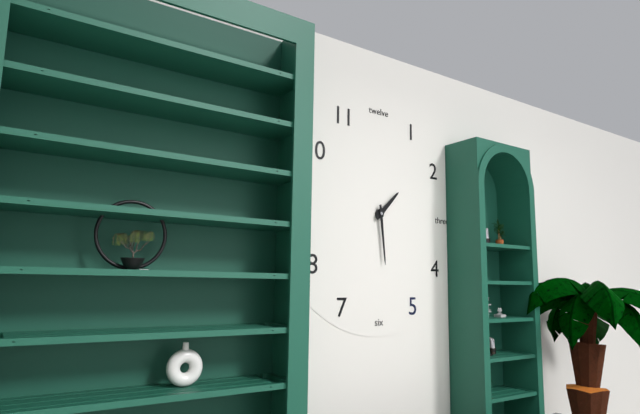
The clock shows 1.29
